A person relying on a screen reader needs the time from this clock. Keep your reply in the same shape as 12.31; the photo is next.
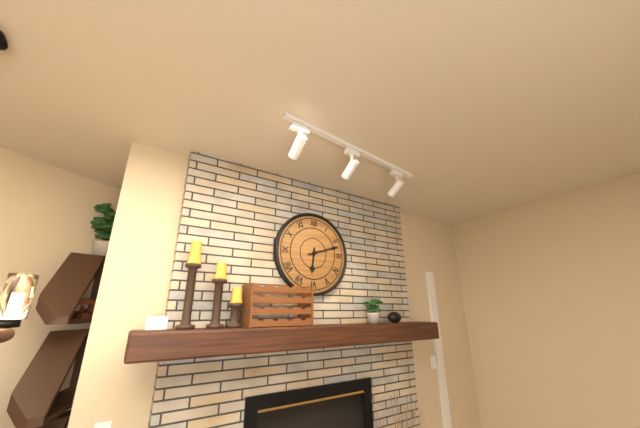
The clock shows 6.12
